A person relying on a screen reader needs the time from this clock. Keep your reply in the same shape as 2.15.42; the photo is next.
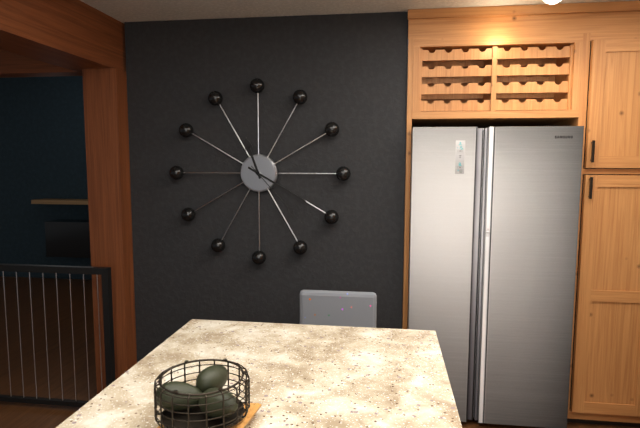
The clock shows 11.20.23
